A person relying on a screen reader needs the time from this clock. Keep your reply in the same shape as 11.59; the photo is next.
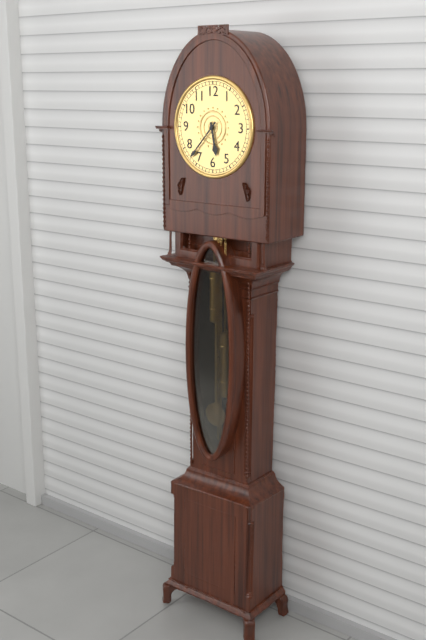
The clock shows 5.37
